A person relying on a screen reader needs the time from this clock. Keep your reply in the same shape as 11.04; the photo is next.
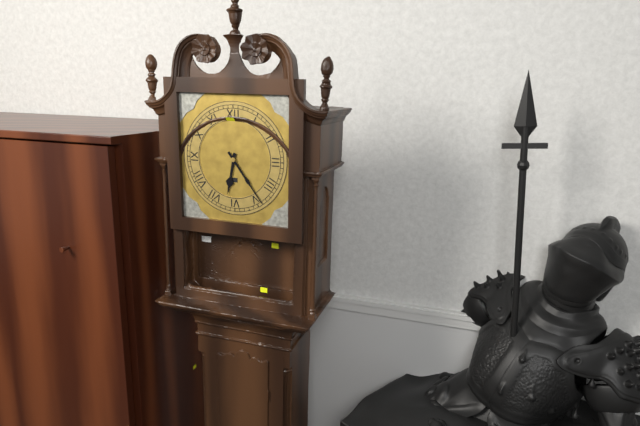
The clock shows 6.24
